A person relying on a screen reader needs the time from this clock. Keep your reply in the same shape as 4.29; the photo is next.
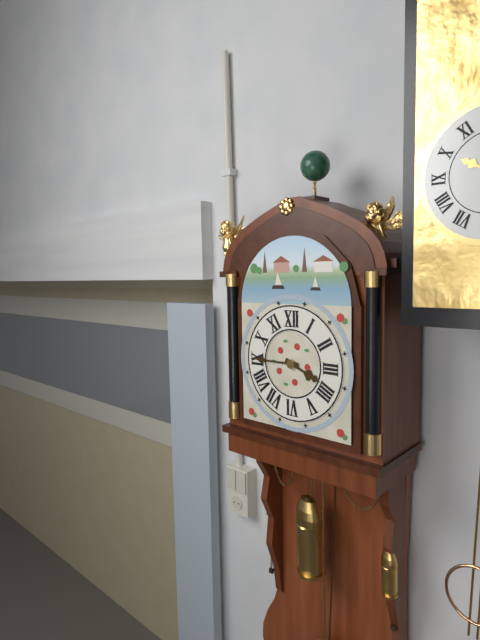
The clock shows 3.45
